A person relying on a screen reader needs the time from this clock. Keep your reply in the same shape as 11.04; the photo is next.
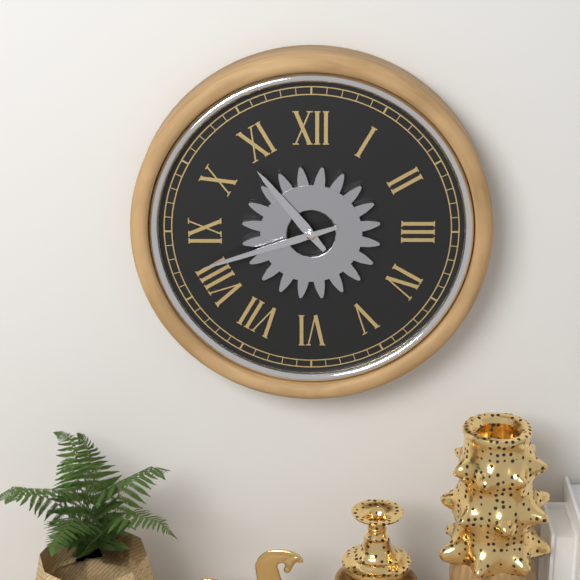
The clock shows 10.42
